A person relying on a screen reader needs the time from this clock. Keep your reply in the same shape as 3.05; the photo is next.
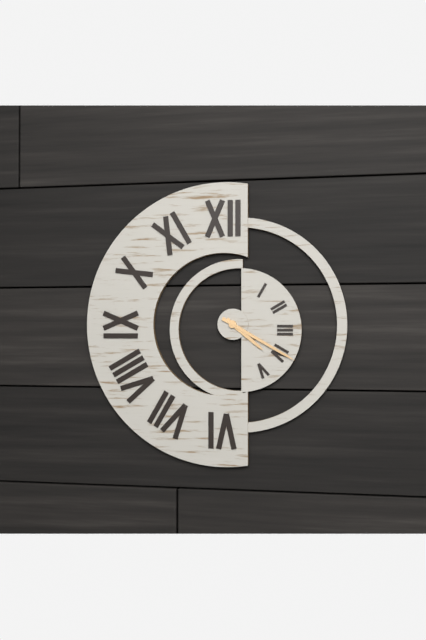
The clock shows 4.20
